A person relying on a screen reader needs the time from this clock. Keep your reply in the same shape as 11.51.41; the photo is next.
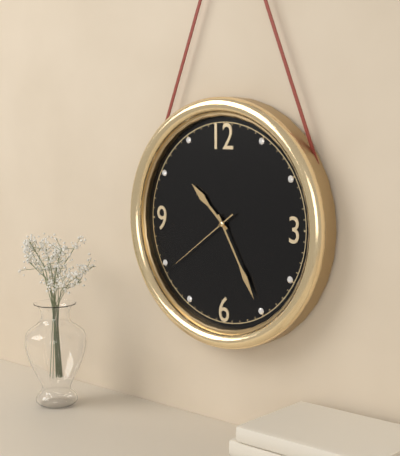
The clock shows 10.25.39
